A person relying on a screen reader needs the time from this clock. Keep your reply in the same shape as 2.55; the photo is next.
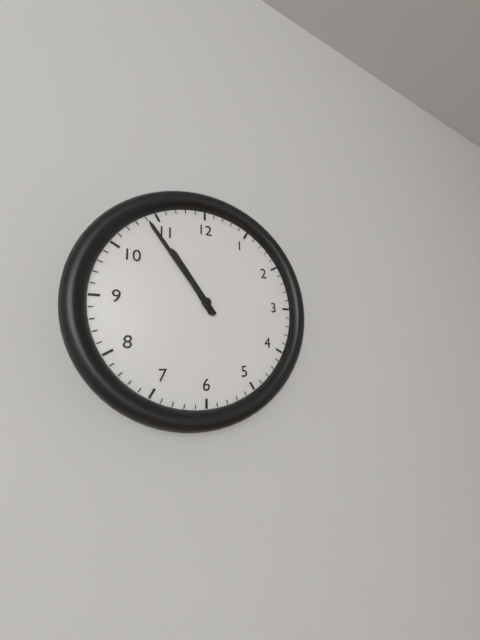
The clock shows 10.54
